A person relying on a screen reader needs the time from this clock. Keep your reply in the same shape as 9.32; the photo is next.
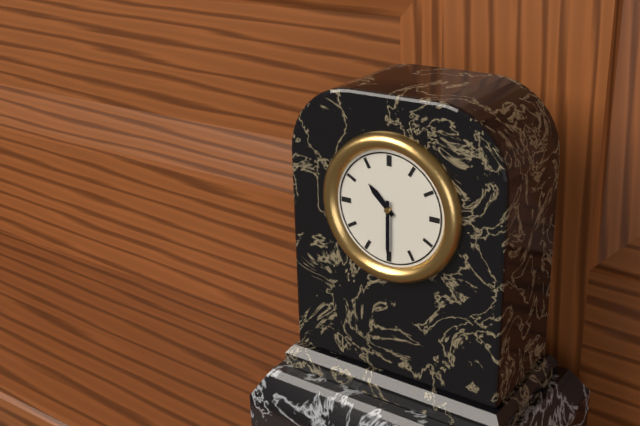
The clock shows 10.30
